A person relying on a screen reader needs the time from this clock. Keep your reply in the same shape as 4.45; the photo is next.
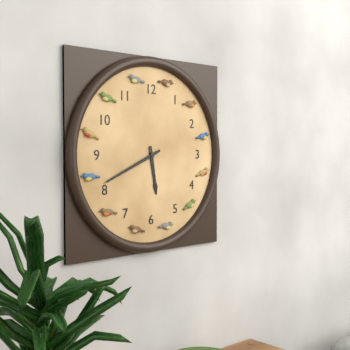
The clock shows 5.41
